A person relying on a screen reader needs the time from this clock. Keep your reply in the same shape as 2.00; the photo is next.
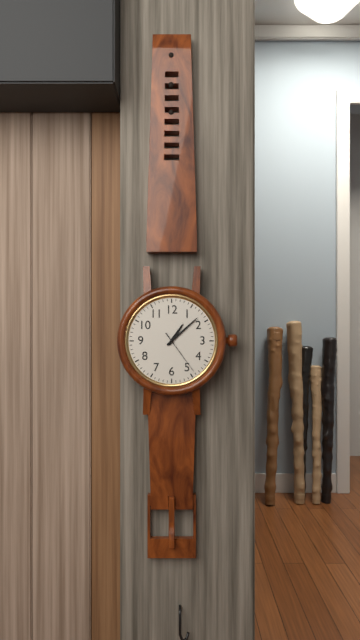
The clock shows 1.08
